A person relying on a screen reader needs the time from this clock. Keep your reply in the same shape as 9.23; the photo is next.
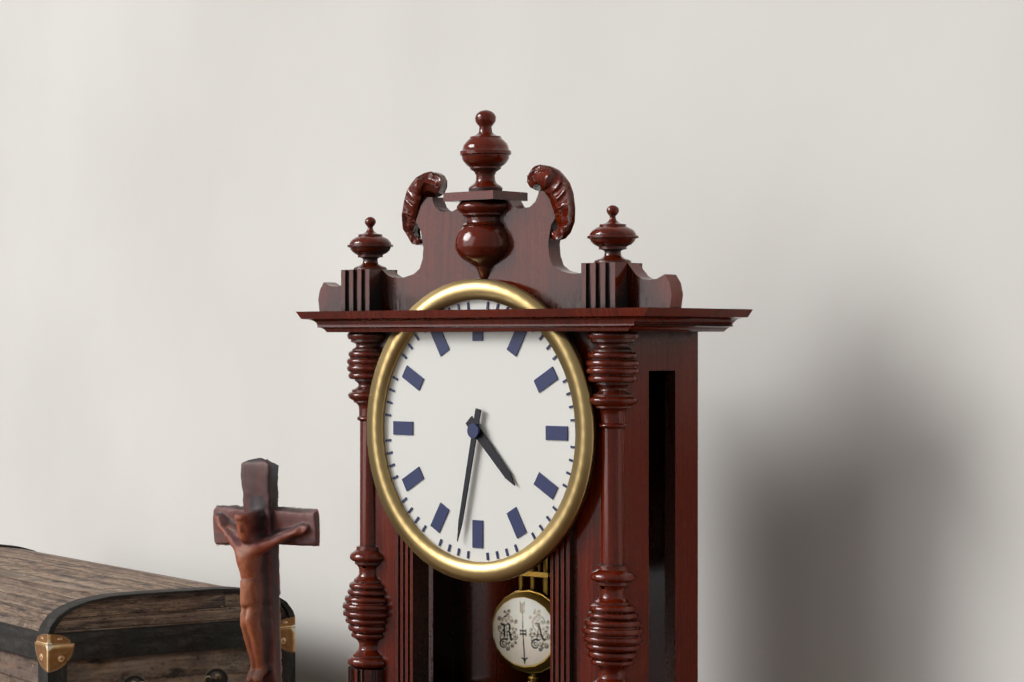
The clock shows 4.32
